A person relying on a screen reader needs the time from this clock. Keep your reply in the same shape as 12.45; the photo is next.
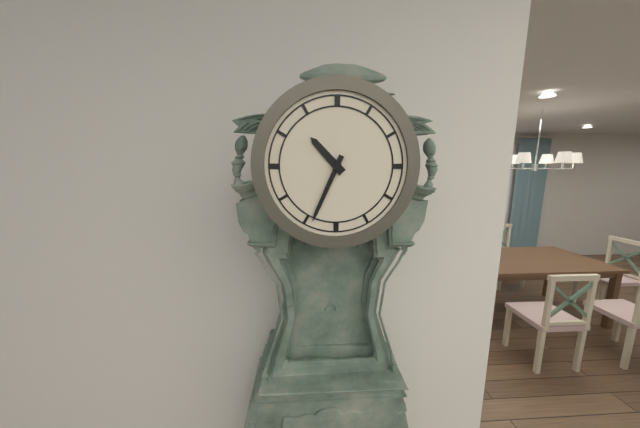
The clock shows 10.34
